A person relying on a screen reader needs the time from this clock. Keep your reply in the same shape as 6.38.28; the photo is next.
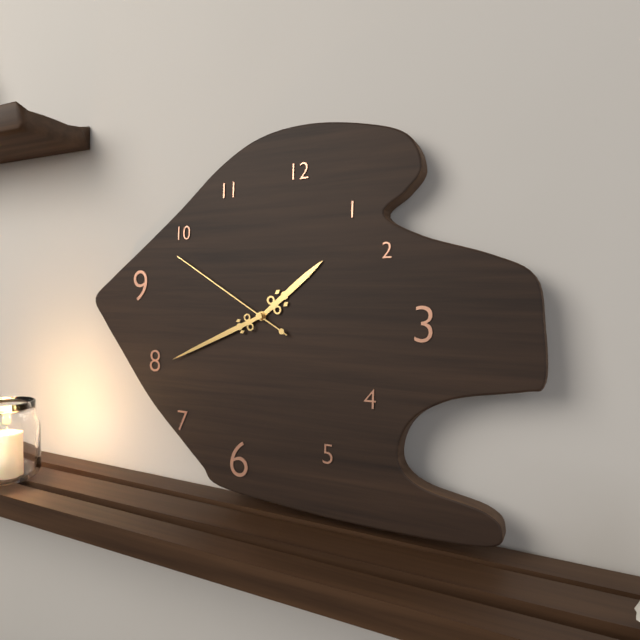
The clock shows 1.41.50
